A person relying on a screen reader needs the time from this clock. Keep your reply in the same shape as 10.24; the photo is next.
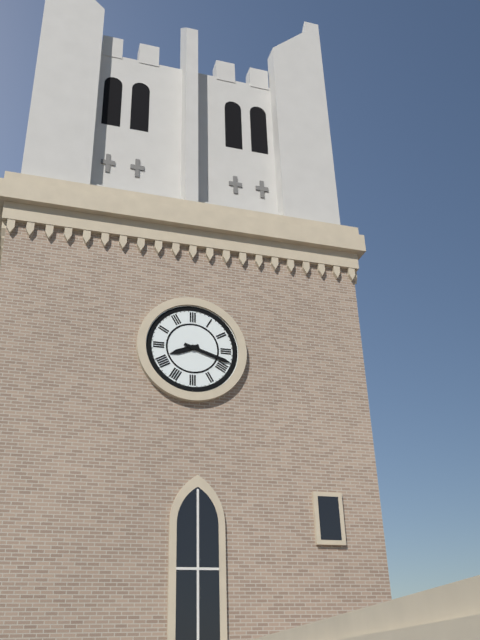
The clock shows 8.18
